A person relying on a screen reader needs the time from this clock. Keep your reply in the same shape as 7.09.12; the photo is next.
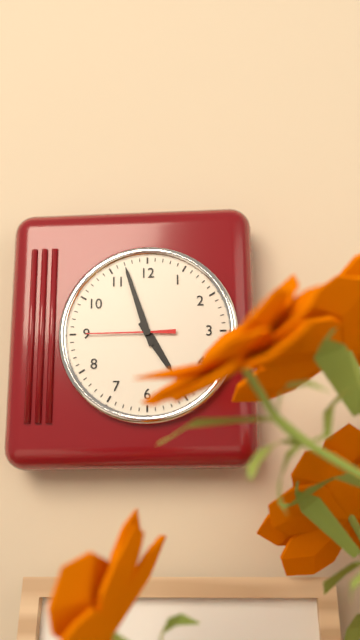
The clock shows 4.57.45
